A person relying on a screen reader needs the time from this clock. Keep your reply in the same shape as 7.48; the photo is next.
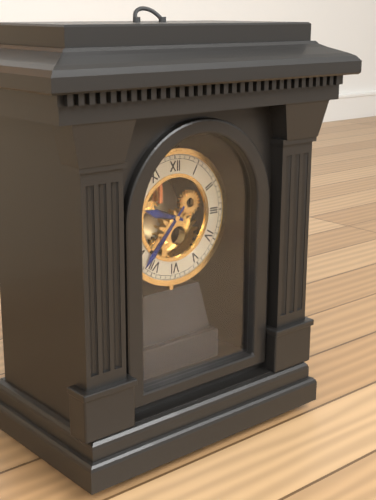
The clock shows 9.37
